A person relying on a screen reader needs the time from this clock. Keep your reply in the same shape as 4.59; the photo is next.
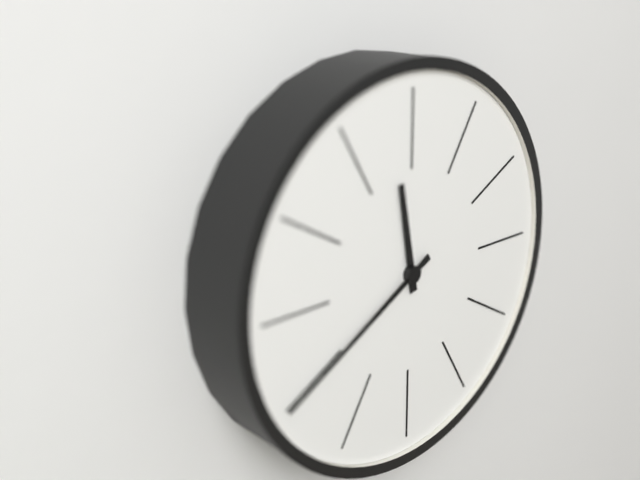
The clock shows 11.40
